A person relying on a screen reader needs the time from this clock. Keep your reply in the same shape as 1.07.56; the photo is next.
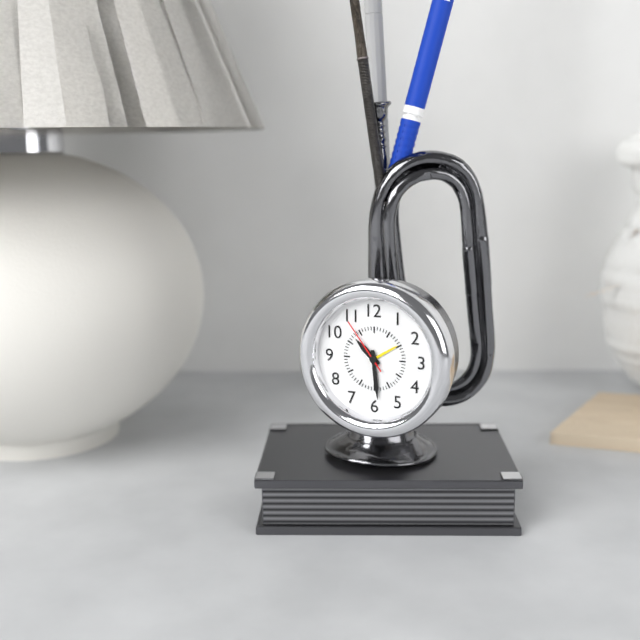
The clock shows 10.29.54
